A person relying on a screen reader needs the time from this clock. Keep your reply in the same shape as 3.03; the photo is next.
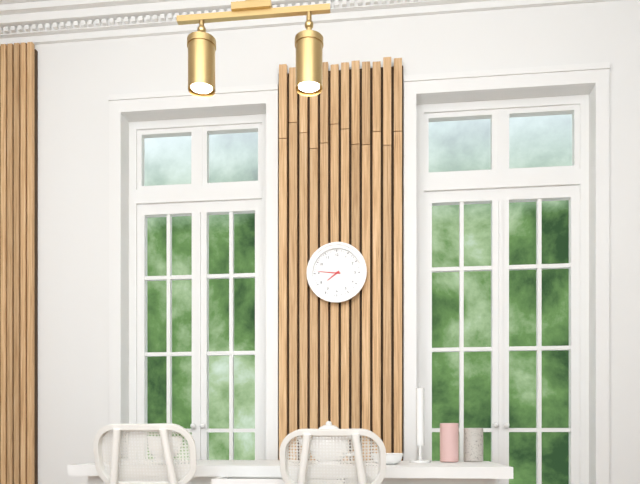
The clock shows 7.46
